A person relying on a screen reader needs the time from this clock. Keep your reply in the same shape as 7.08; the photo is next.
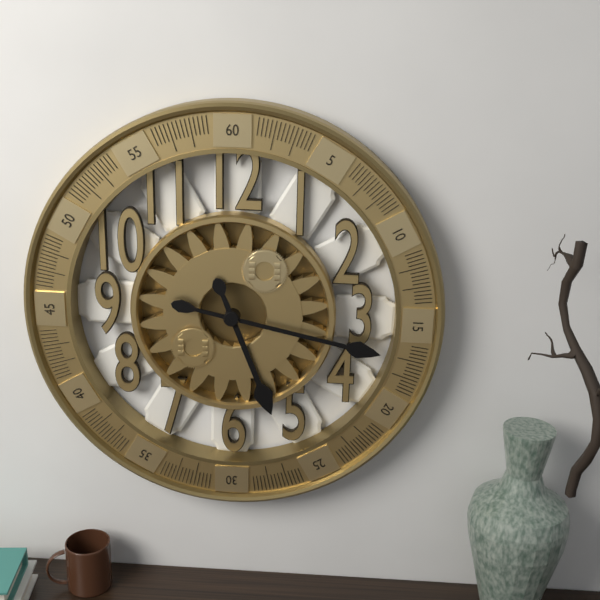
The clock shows 5.17
